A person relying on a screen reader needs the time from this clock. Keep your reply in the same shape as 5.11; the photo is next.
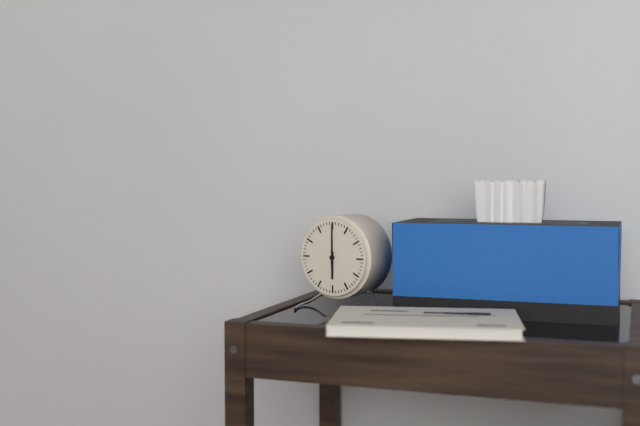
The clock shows 6.00
